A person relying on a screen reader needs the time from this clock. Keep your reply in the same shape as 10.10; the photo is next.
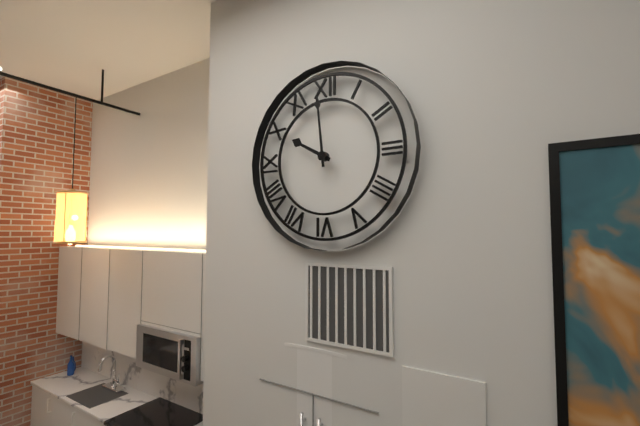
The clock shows 9.59
